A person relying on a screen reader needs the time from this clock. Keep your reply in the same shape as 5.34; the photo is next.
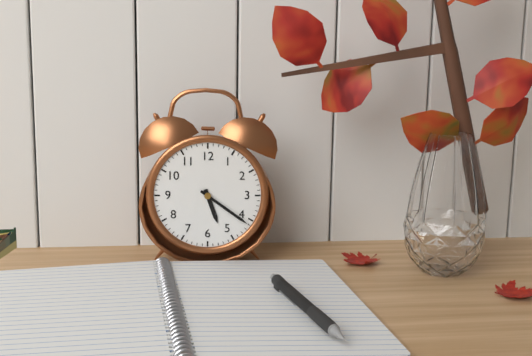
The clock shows 5.21
